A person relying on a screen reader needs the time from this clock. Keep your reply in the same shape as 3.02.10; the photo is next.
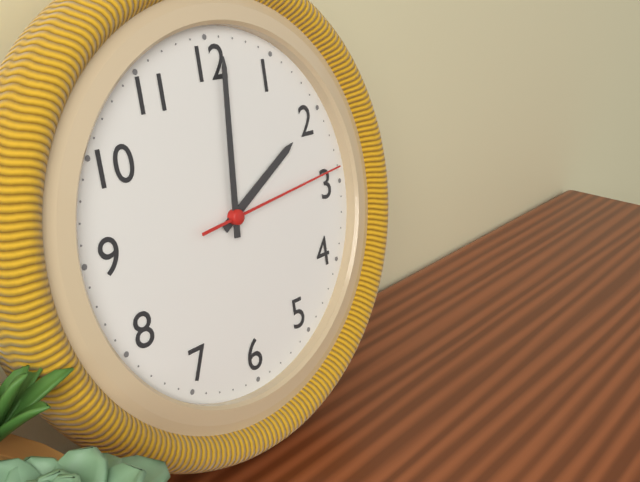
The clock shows 2.01.14
